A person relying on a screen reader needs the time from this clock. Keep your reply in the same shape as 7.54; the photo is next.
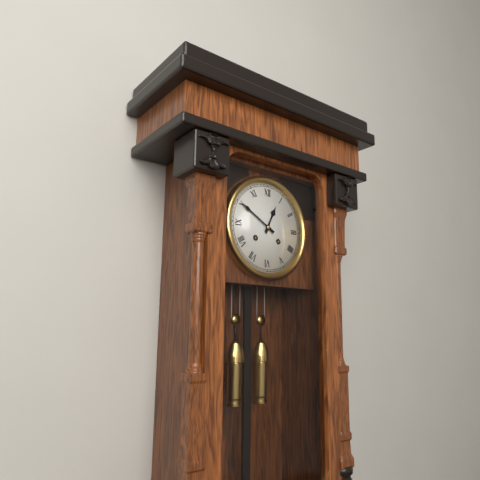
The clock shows 12.50
